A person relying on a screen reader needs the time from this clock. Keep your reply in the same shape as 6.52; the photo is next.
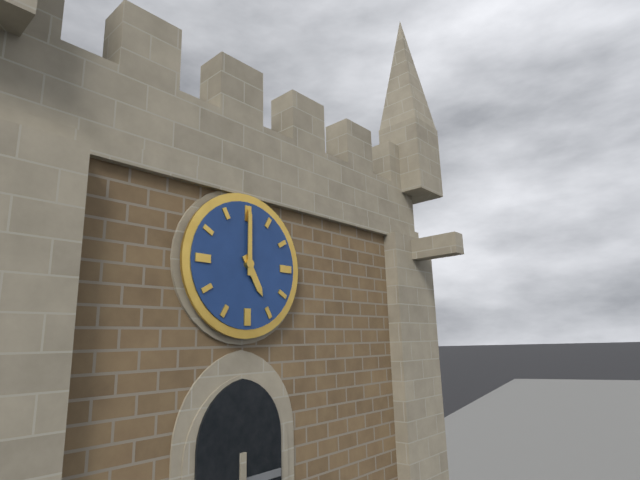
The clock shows 5.00
